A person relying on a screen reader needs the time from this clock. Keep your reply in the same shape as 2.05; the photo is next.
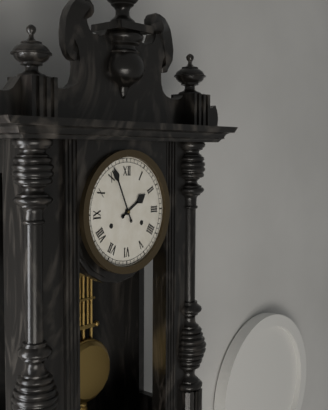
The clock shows 1.56
